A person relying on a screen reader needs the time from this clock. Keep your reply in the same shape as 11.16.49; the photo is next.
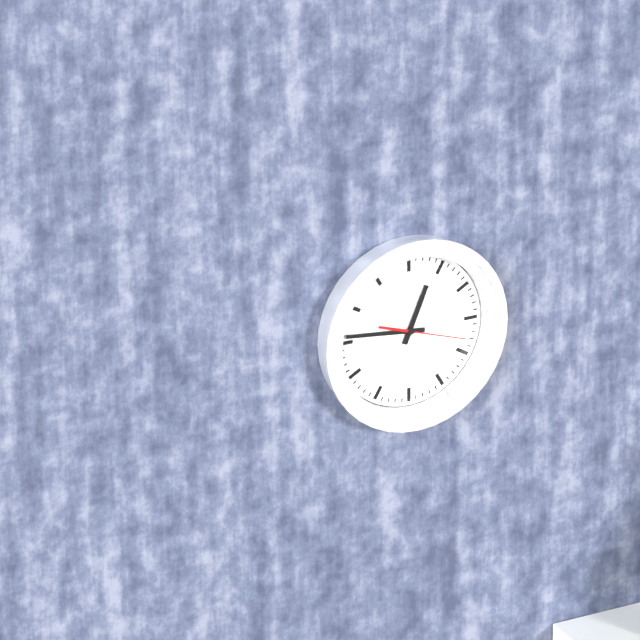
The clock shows 12.46.18
